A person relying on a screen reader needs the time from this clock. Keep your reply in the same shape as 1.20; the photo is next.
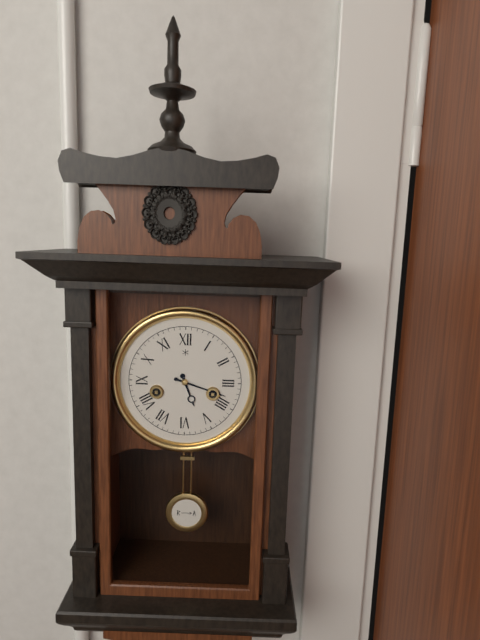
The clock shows 5.18
